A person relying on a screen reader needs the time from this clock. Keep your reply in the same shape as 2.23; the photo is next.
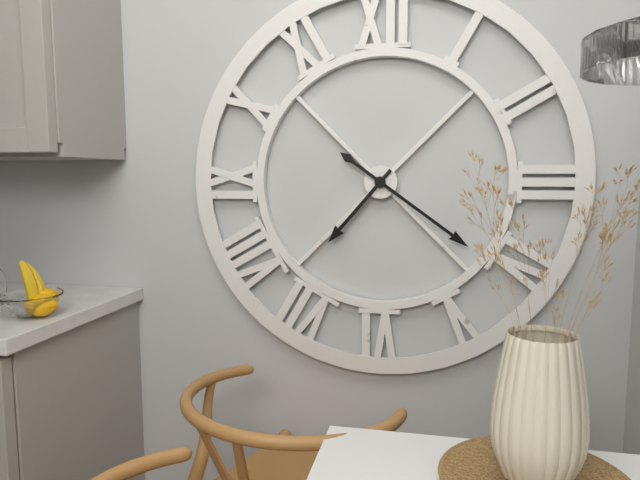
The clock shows 7.21
